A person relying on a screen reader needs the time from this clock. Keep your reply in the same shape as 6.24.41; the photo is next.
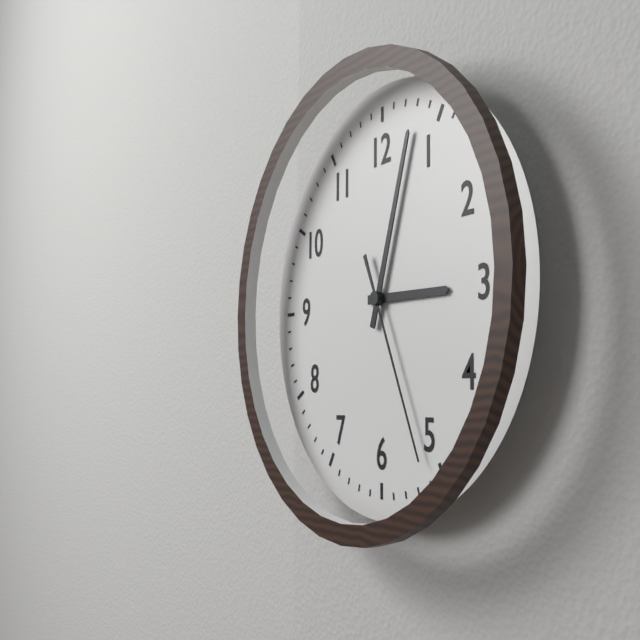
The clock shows 3.03.26
